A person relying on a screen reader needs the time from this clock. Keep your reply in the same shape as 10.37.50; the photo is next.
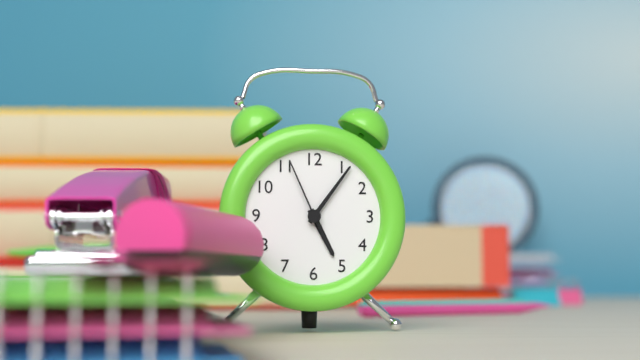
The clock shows 5.06.56
